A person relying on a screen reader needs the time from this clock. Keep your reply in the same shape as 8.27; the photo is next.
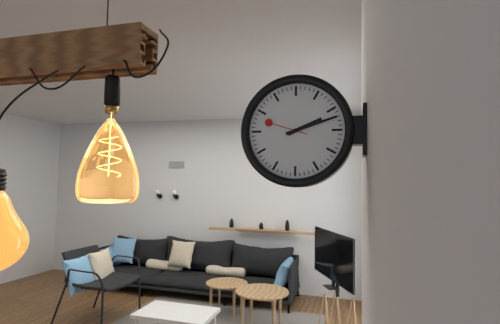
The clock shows 2.12
